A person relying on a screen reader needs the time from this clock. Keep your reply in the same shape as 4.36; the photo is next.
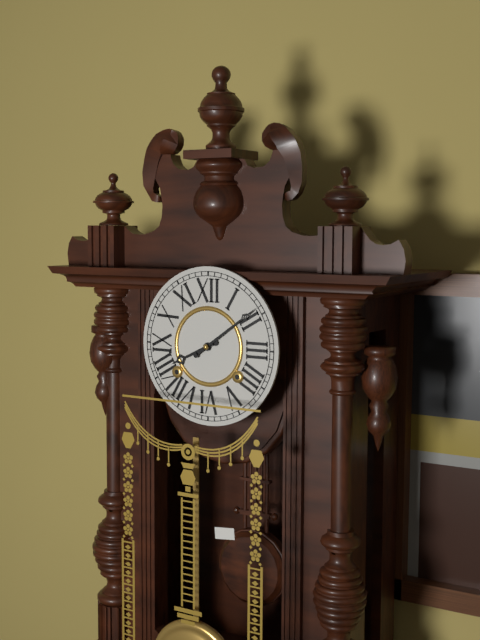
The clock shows 8.09
